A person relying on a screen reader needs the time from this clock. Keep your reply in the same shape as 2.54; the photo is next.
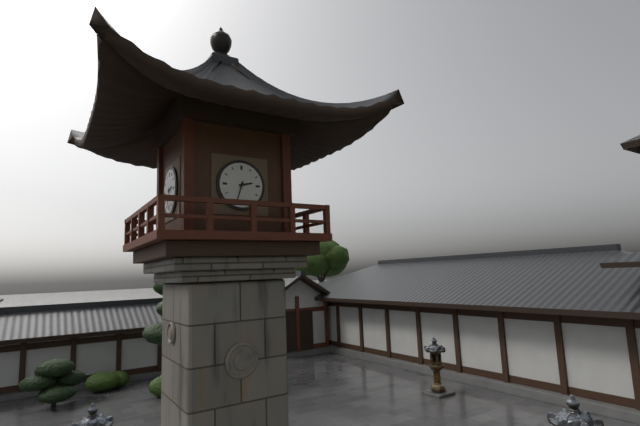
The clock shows 2.33
